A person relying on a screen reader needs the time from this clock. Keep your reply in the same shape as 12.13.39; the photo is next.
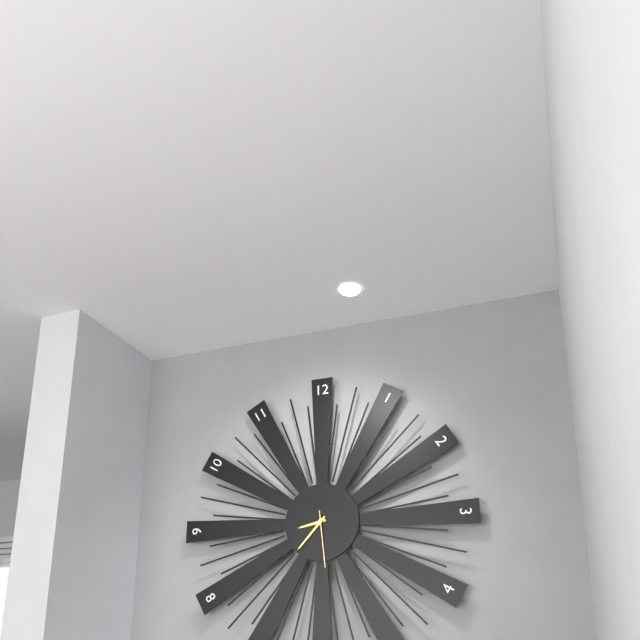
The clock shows 8.37.29
